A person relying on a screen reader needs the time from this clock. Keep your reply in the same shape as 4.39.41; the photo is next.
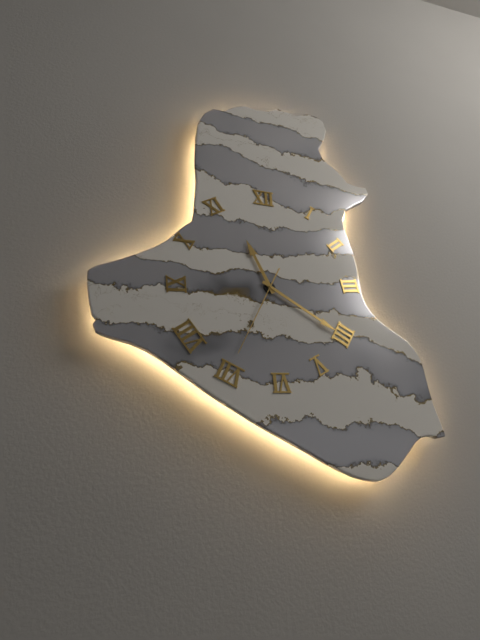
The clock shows 11.21.35
